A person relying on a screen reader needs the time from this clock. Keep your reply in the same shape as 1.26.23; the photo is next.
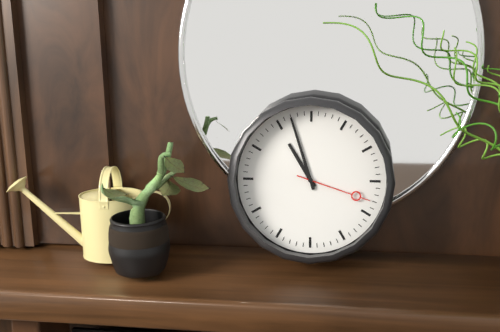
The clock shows 10.57.18
